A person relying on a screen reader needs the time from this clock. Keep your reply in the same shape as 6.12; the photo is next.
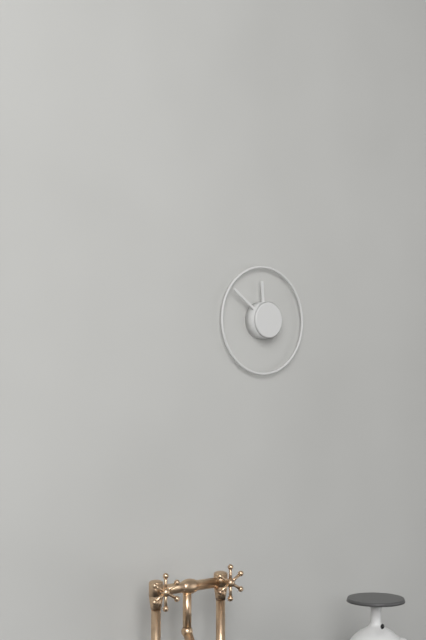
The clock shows 11.51
